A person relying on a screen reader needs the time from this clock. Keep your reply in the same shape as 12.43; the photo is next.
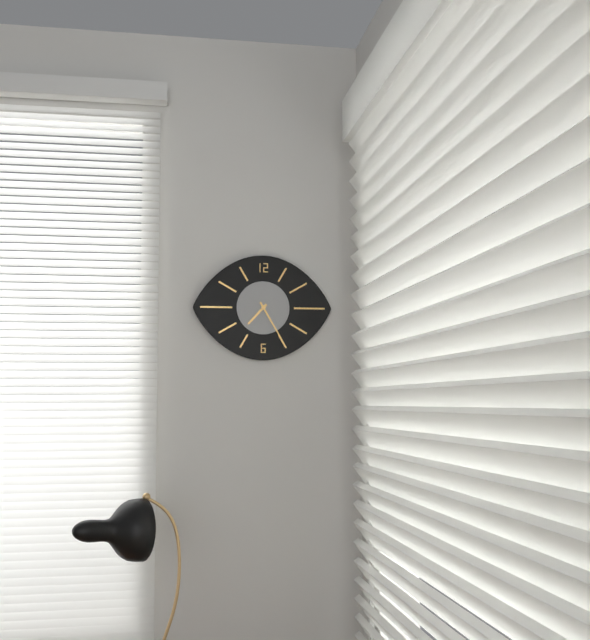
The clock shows 7.25
